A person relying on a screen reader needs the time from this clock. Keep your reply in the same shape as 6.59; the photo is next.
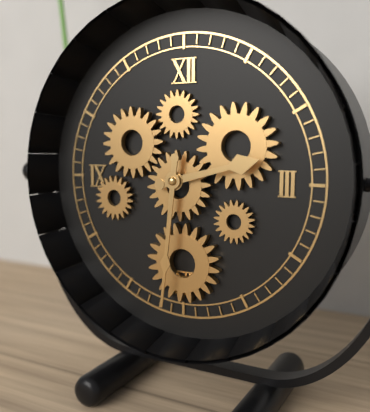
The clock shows 2.31
